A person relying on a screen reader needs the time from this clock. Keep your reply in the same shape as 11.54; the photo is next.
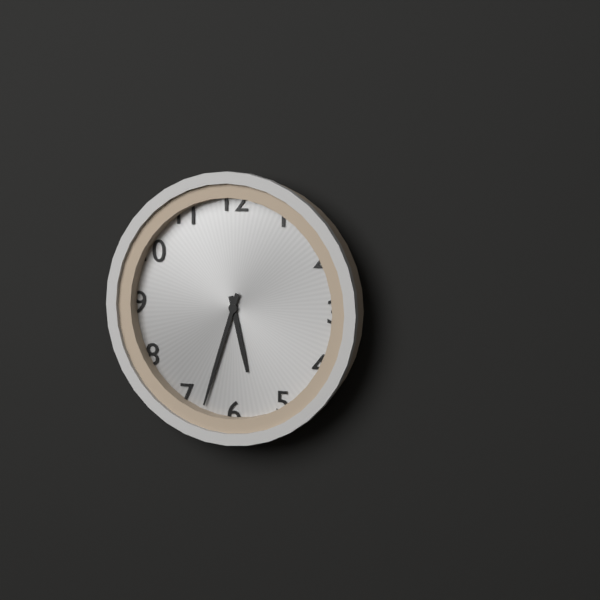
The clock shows 5.33
